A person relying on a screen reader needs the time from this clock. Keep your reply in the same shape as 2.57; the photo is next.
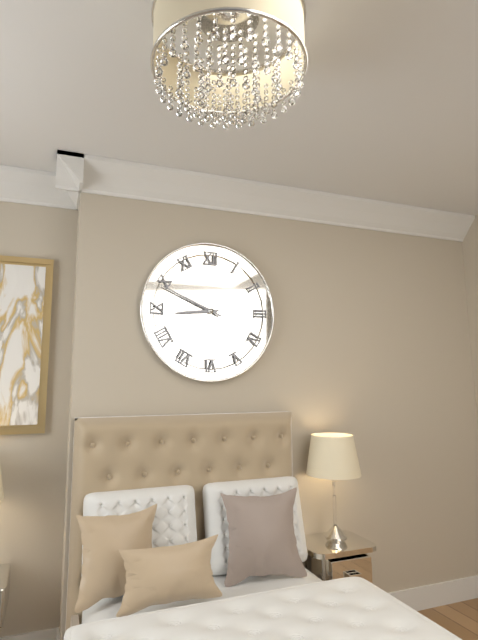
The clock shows 8.49
